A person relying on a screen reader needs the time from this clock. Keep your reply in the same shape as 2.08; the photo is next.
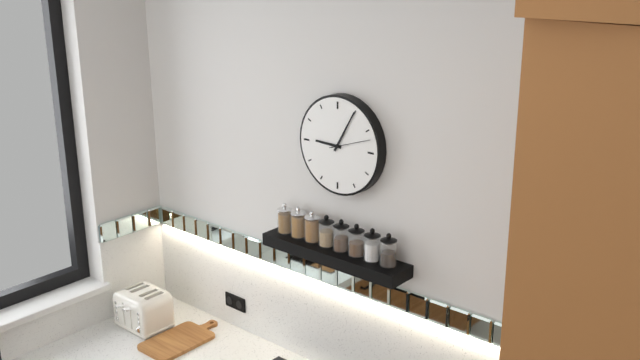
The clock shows 9.05
